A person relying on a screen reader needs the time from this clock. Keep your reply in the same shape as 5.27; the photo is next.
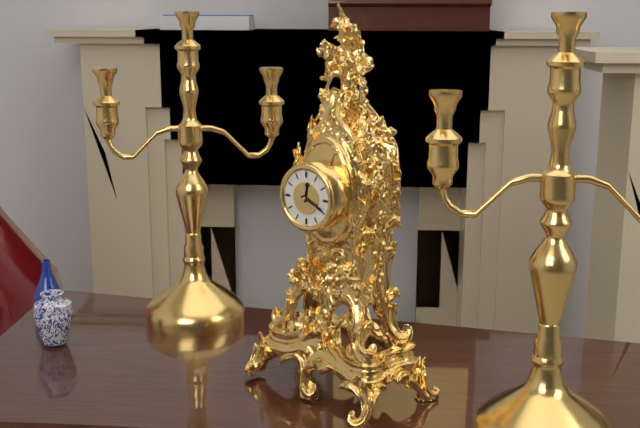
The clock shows 12.19
